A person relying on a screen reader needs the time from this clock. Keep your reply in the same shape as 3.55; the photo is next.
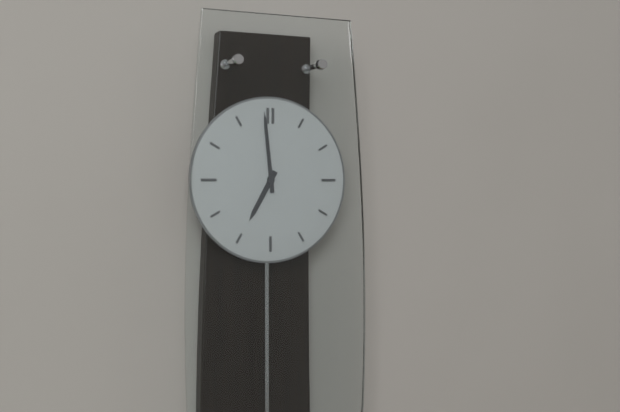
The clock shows 6.59
